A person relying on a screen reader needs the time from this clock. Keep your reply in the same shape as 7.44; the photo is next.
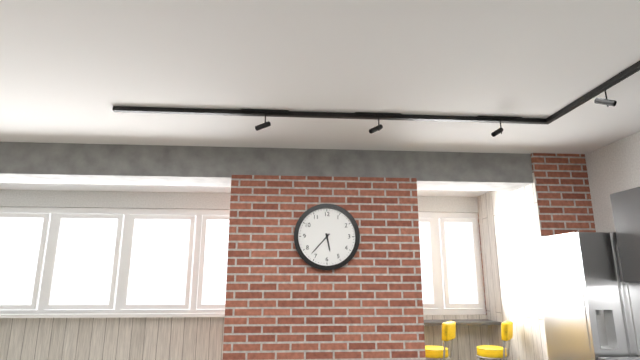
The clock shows 5.37
